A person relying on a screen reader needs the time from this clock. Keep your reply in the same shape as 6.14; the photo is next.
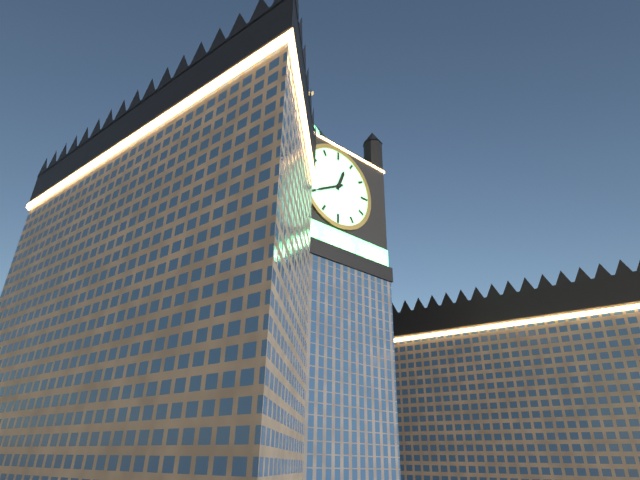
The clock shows 12.40
